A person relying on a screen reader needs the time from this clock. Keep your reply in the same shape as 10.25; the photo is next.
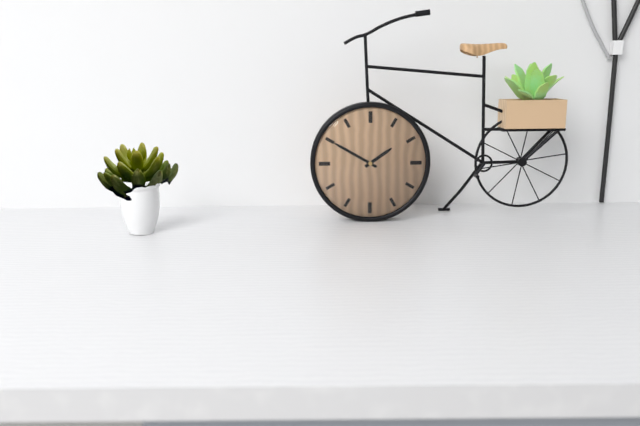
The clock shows 1.50
